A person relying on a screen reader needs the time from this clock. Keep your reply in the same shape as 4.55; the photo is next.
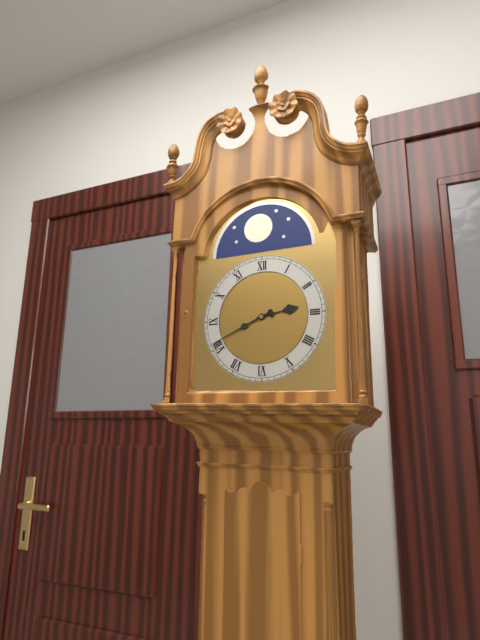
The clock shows 2.41
